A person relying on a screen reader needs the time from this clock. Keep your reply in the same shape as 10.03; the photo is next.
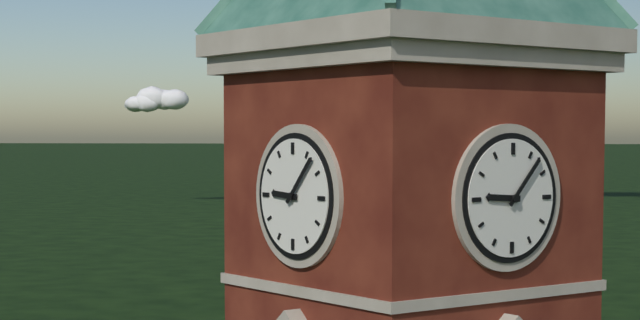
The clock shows 9.07
